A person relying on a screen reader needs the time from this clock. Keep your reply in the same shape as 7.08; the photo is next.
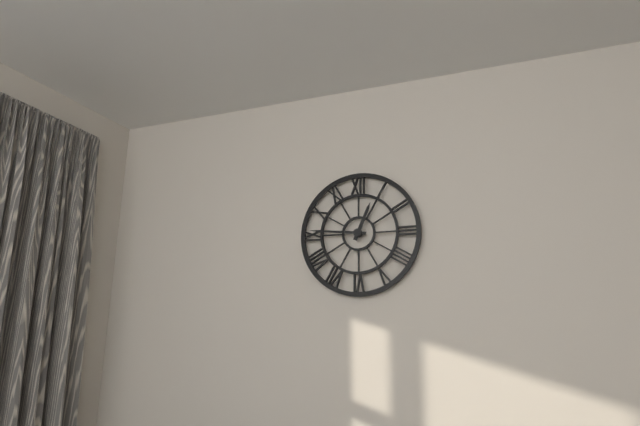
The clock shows 12.46
